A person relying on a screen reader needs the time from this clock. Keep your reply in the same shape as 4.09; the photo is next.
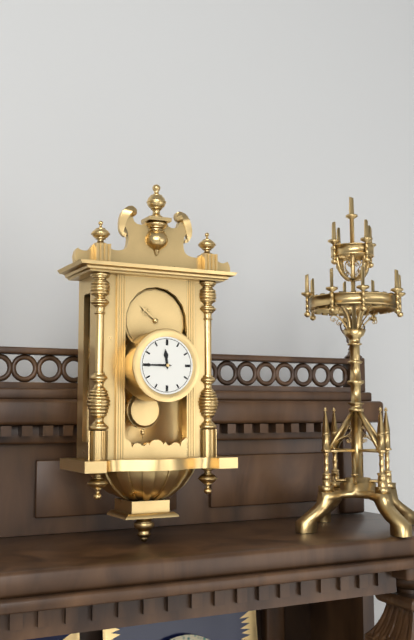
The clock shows 11.45
